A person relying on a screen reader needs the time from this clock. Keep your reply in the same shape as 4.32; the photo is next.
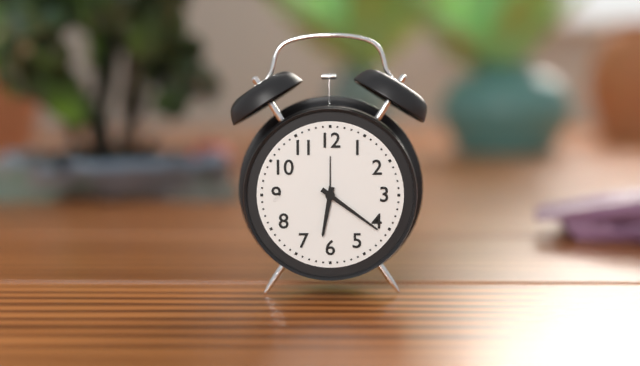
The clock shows 6.21
